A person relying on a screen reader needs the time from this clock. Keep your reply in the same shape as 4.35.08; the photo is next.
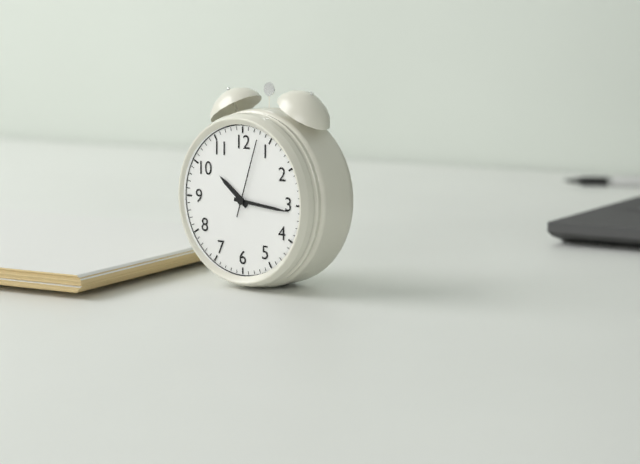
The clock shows 10.16.03
